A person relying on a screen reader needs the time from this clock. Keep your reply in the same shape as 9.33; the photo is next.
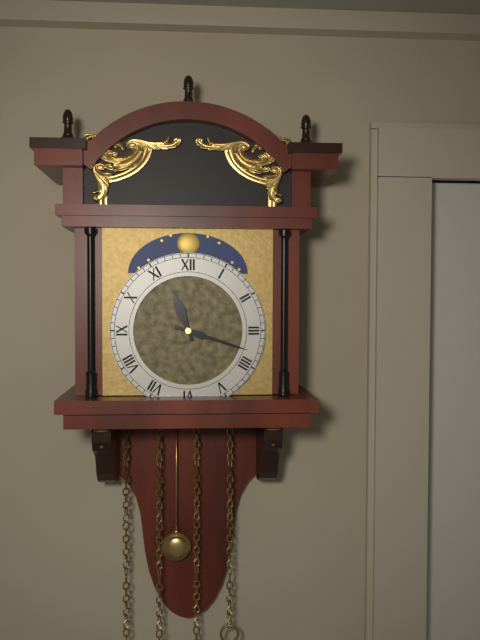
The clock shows 11.18
